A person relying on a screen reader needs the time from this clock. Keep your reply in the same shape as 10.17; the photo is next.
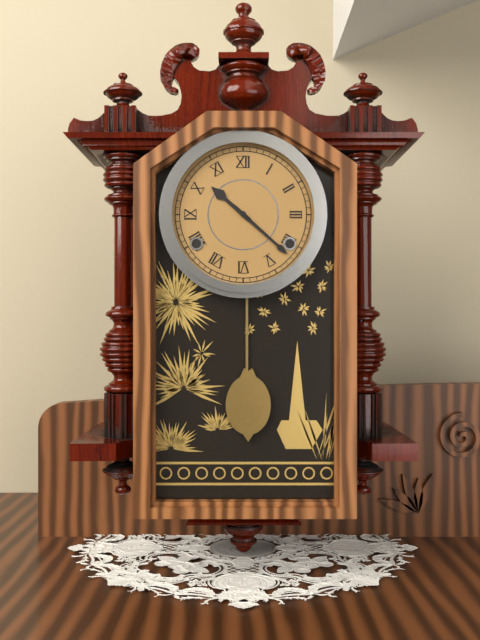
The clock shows 10.22
